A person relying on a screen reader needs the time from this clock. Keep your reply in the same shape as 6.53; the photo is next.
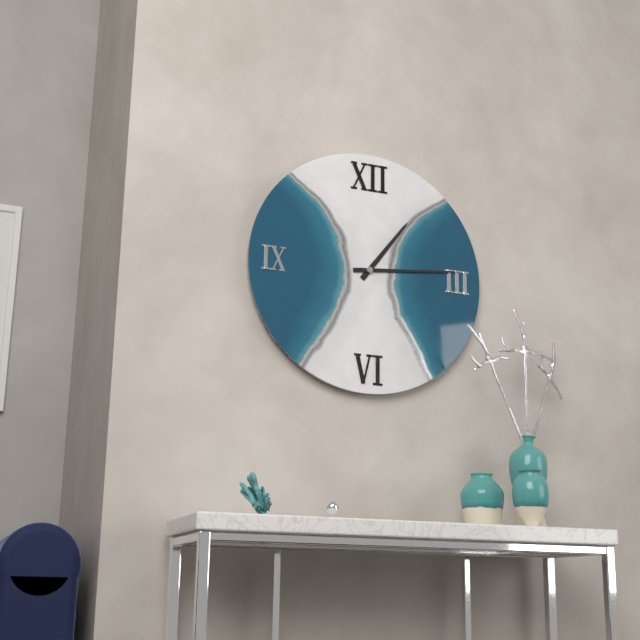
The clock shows 1.14
